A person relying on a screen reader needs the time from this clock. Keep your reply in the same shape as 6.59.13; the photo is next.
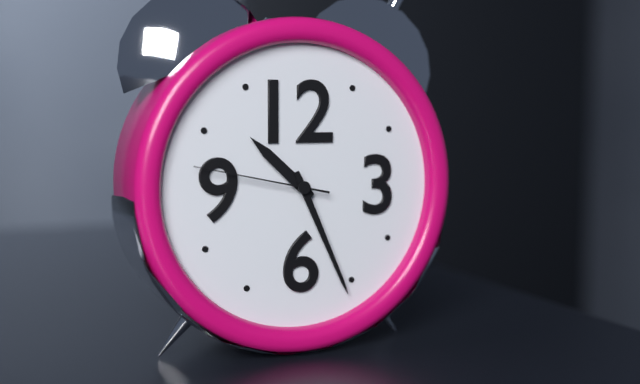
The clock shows 10.26.47
